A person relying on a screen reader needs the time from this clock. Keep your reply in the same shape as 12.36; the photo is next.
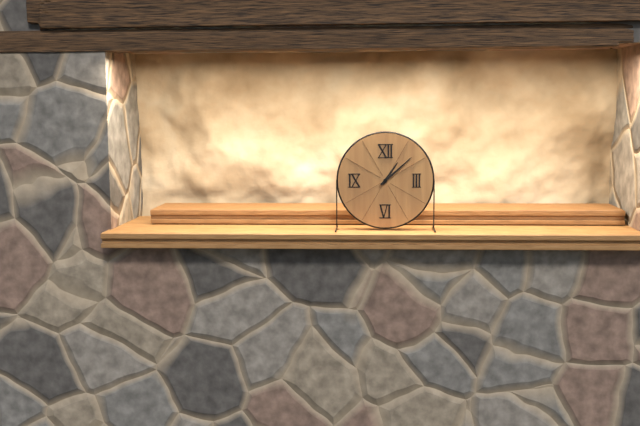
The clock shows 1.08
